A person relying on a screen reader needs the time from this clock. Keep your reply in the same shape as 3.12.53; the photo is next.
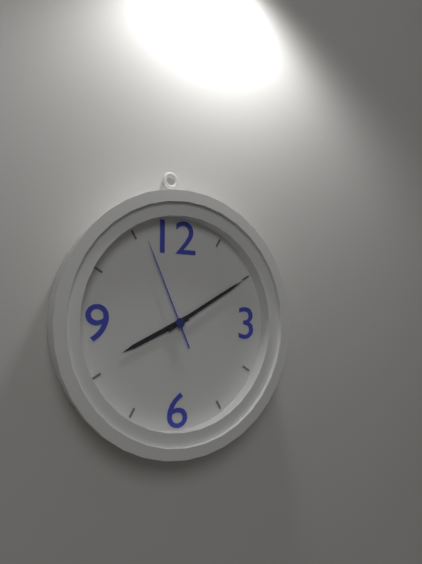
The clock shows 8.10.56
